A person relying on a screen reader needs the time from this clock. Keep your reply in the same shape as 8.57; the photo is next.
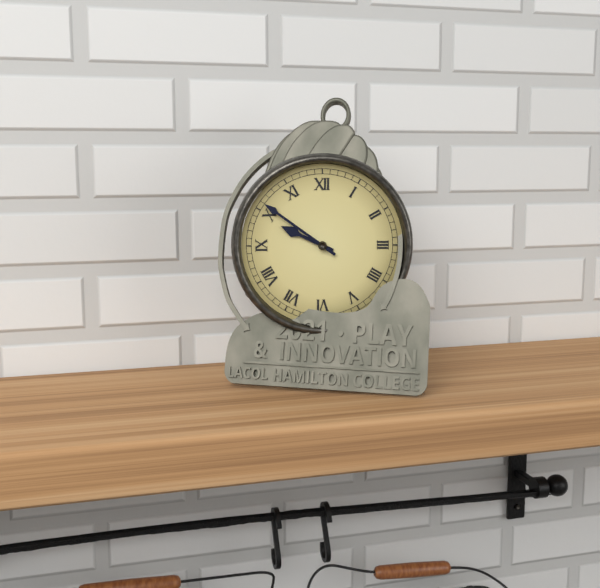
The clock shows 9.51
